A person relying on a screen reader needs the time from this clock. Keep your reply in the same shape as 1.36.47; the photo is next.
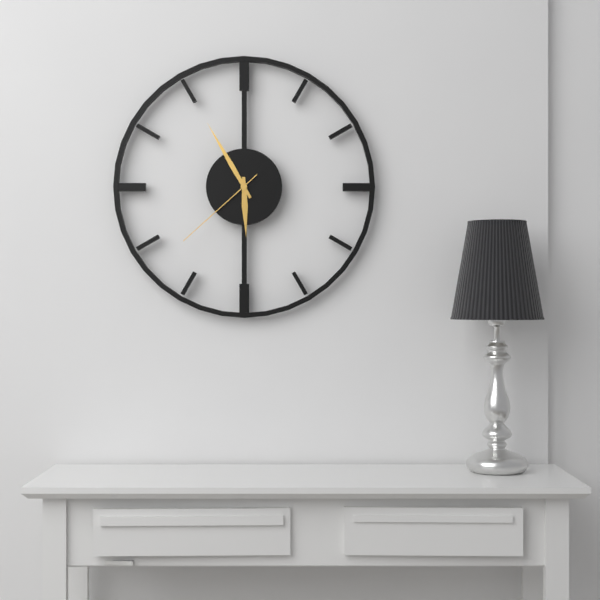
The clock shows 5.55.38
